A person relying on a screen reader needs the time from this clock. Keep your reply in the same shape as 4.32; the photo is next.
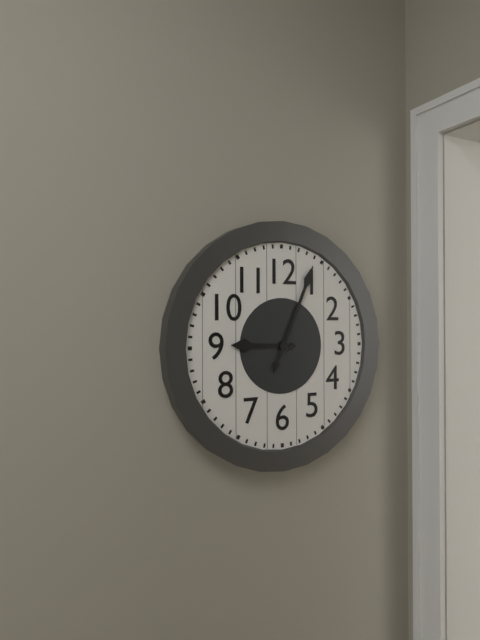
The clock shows 9.04
